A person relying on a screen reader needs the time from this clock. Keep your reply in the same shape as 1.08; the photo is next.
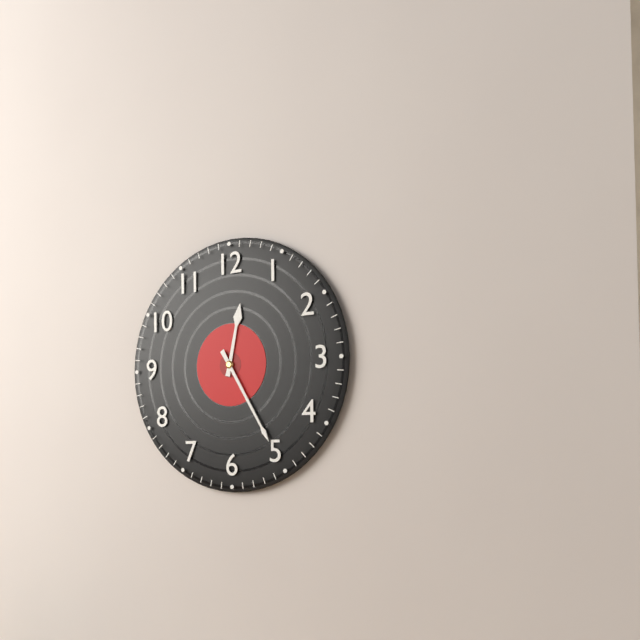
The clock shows 12.25
